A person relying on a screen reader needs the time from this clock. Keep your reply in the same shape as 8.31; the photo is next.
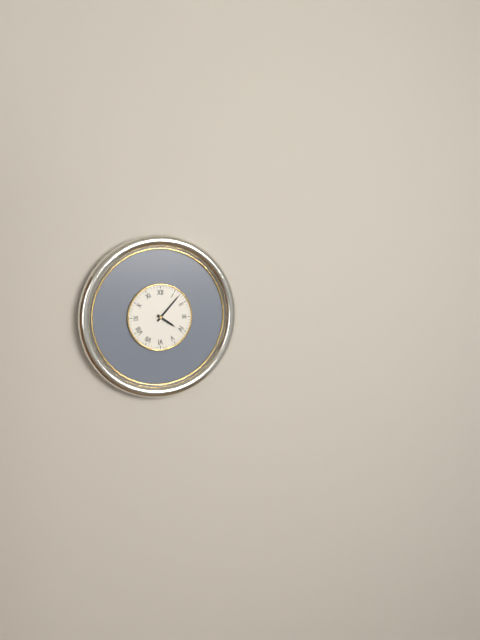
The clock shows 4.07
